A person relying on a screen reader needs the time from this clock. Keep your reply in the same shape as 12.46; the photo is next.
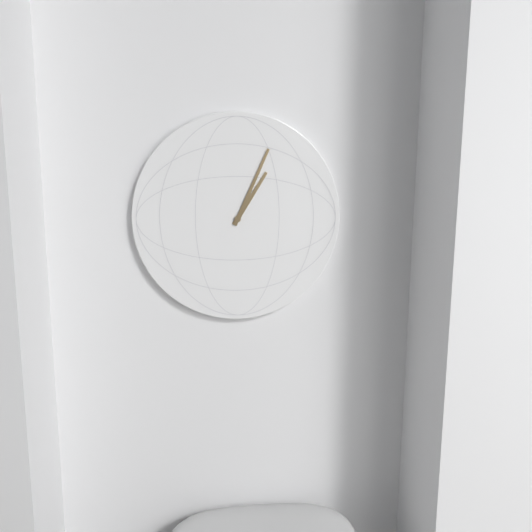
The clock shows 1.04
